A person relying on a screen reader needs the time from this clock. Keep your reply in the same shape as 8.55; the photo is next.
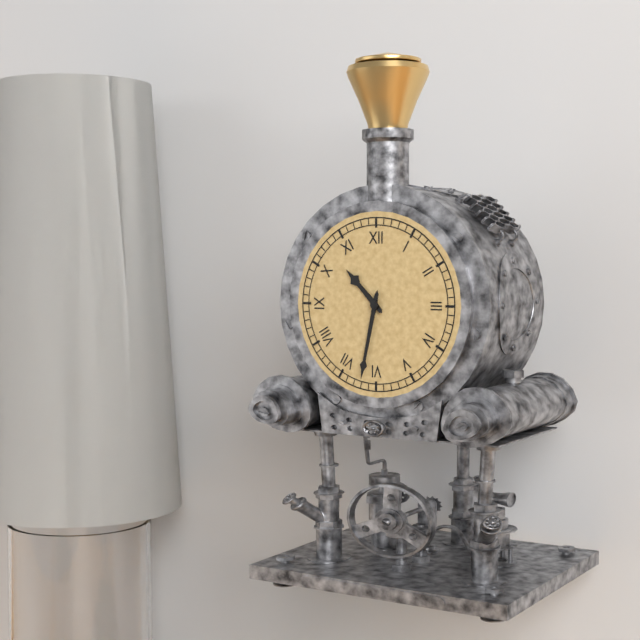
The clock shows 10.32
